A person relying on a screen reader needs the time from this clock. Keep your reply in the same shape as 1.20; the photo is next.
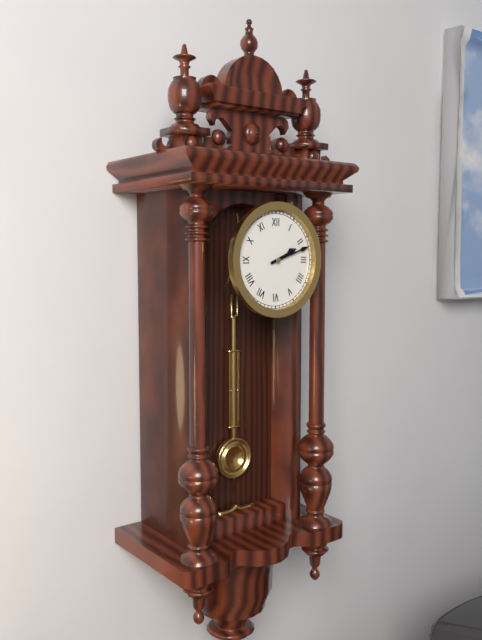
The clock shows 2.12
